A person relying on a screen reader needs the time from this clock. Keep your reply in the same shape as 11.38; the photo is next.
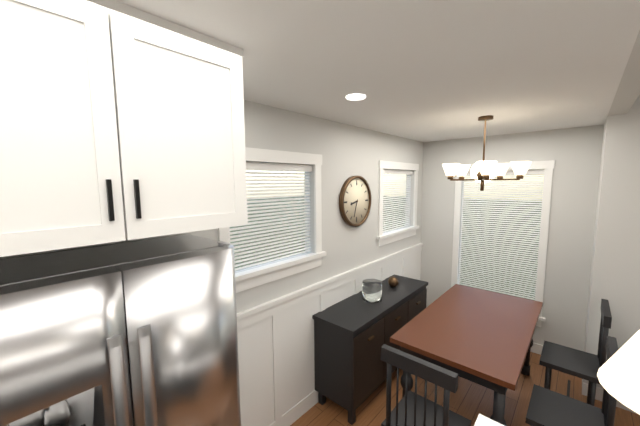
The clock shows 8.33
